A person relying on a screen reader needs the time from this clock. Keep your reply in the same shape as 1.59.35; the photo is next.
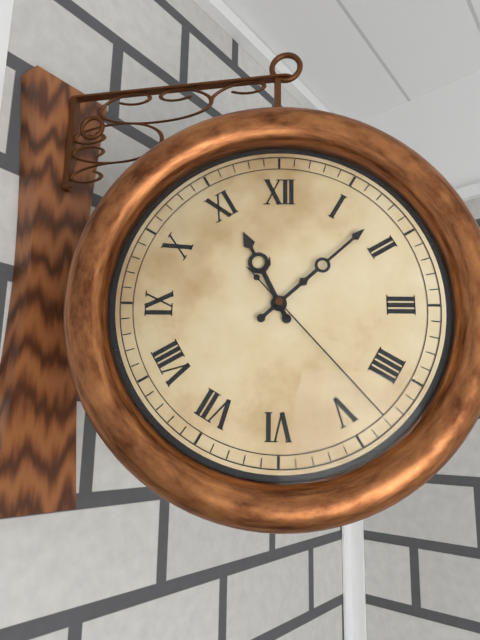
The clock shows 11.08.23
